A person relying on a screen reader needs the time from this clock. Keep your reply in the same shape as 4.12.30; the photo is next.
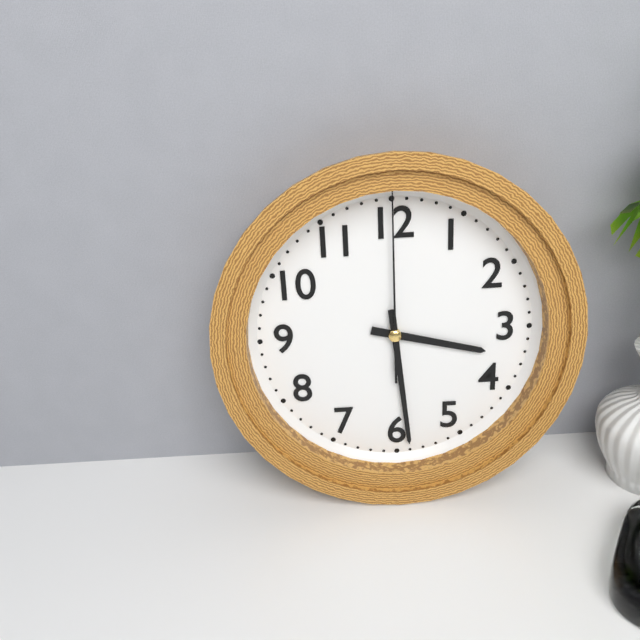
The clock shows 3.29.00
